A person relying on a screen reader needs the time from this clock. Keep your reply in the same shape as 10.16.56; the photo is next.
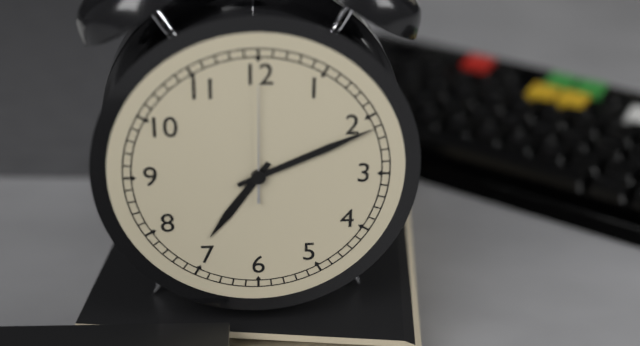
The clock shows 7.11.00
